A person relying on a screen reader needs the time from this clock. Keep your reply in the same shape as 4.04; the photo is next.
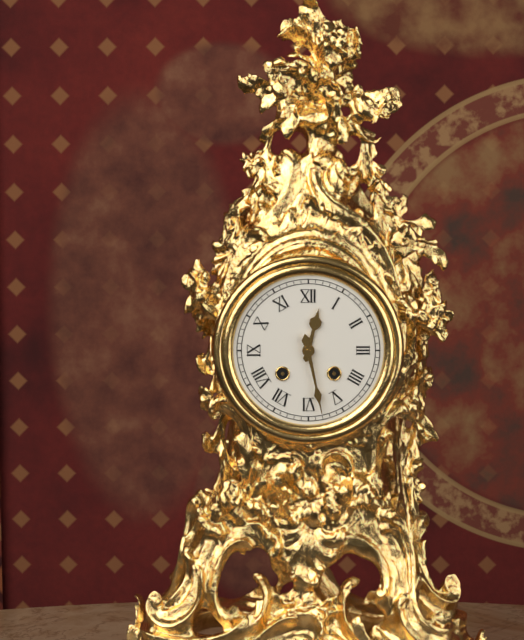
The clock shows 12.28
